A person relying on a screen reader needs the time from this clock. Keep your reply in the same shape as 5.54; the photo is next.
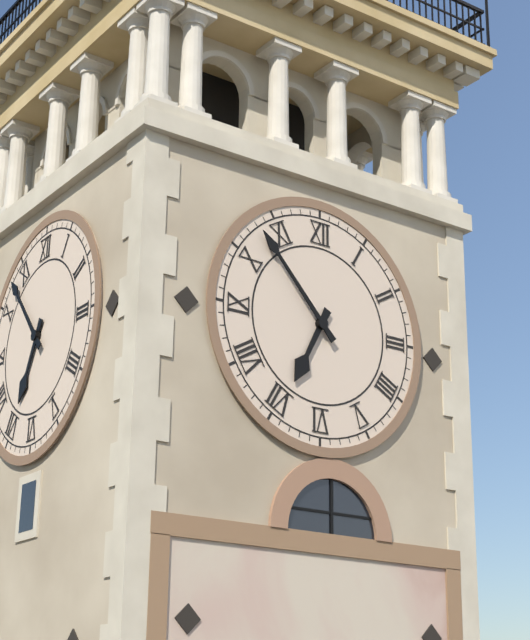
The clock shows 6.53
